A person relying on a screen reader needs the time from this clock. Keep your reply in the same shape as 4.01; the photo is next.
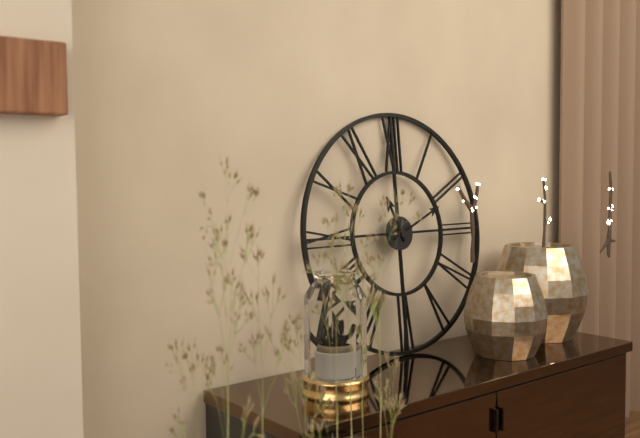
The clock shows 11.11
